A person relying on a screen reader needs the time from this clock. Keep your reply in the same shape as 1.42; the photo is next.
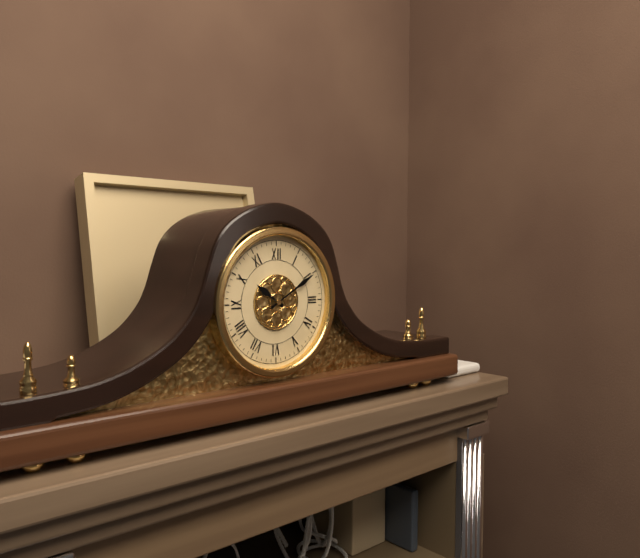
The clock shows 10.10
